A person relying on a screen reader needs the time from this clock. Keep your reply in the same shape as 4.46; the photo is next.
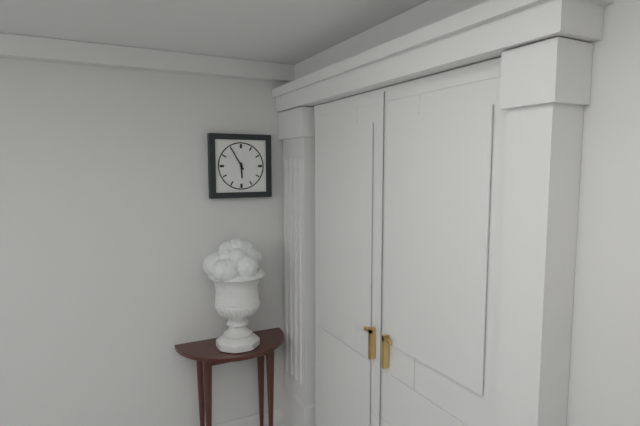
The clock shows 5.55
